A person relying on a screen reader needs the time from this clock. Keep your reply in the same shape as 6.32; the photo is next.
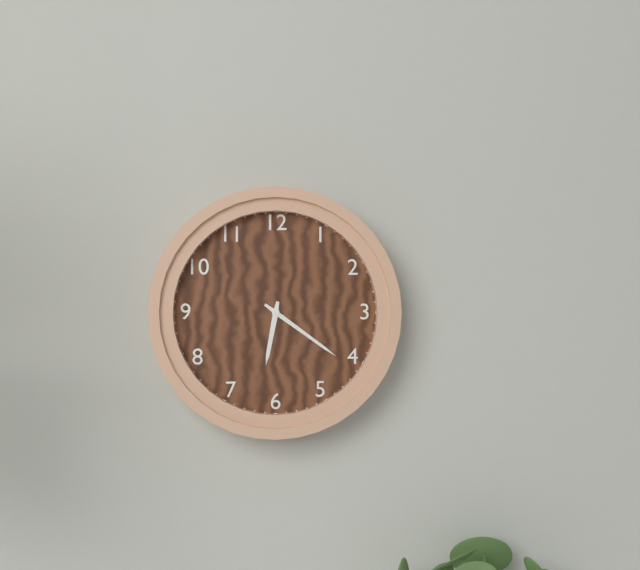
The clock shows 6.21
